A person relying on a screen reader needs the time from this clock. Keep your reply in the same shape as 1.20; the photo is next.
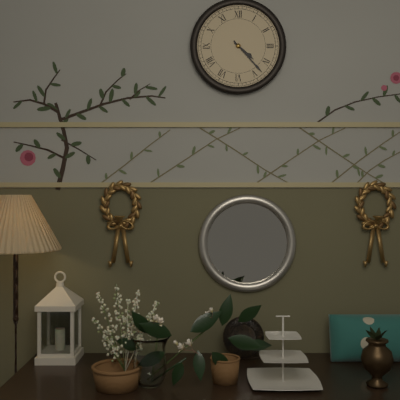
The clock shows 4.23
